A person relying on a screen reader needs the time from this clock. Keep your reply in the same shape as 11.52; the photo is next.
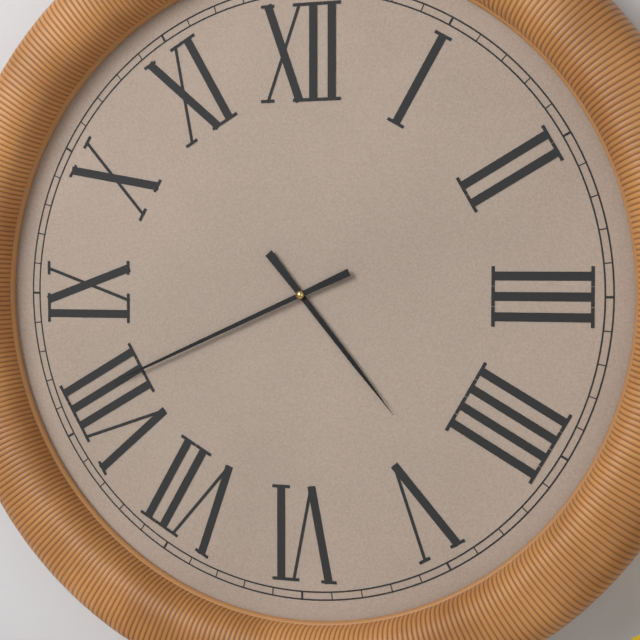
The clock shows 4.41
